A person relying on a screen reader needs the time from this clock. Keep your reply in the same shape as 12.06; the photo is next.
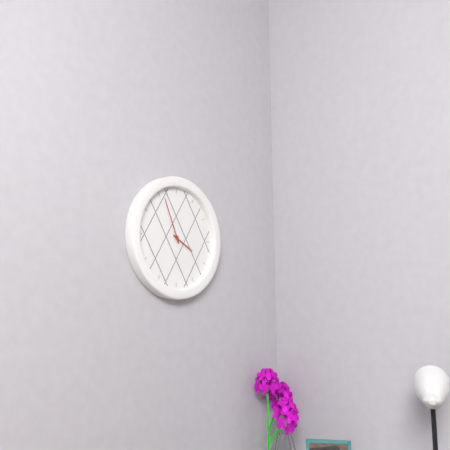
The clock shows 3.56
